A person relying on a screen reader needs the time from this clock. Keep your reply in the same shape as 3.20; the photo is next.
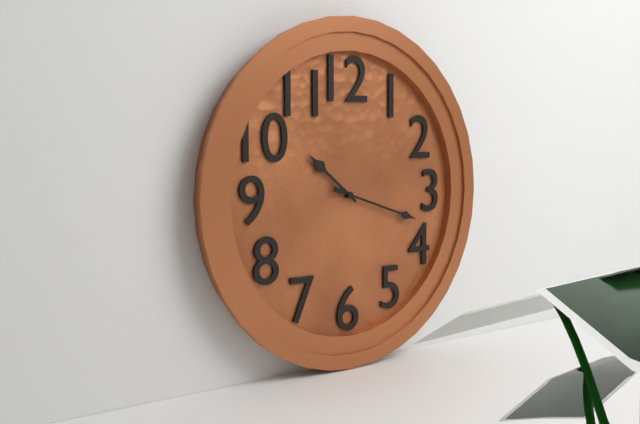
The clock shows 10.18
